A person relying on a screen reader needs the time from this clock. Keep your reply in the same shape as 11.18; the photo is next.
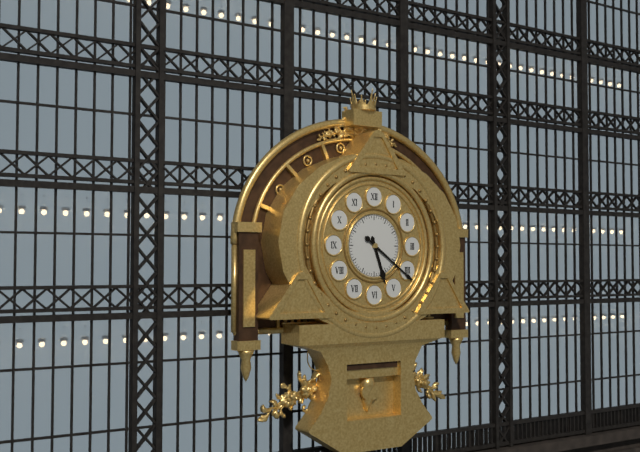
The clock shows 5.21
